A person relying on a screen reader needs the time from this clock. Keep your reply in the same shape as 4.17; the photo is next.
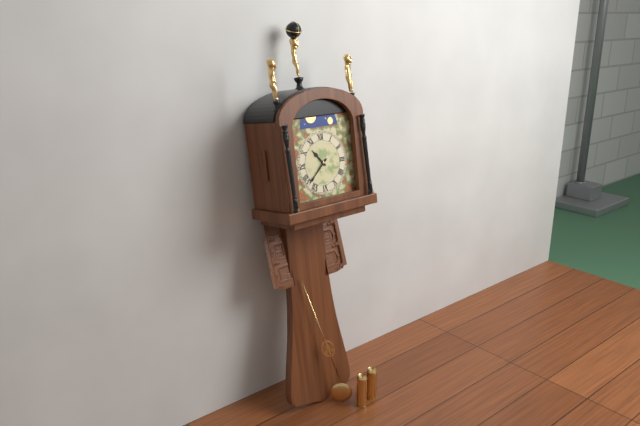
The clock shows 10.38
